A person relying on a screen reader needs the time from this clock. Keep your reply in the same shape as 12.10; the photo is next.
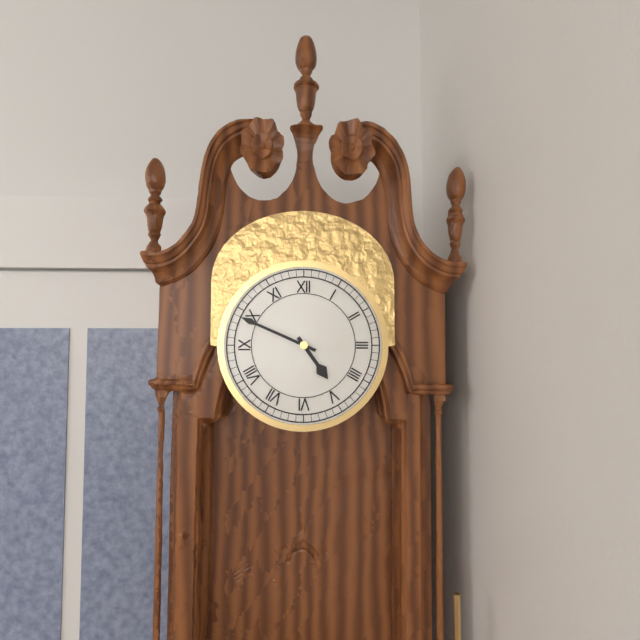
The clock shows 4.49
